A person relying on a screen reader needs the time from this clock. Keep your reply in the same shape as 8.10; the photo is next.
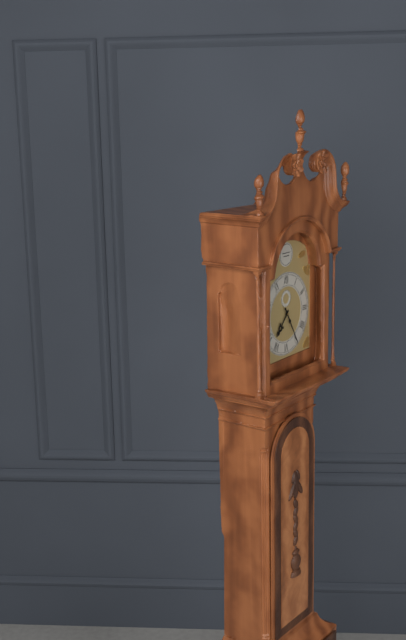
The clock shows 7.25
